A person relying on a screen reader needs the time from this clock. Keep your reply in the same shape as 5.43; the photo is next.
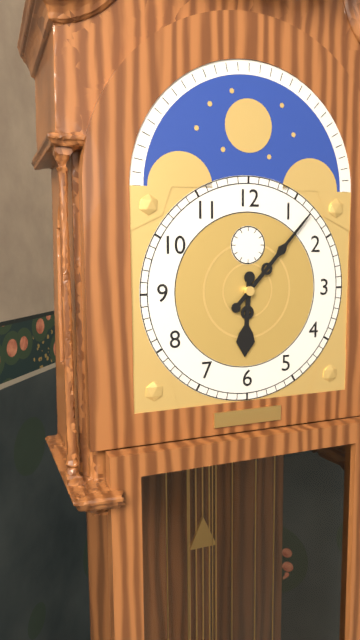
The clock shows 6.07
